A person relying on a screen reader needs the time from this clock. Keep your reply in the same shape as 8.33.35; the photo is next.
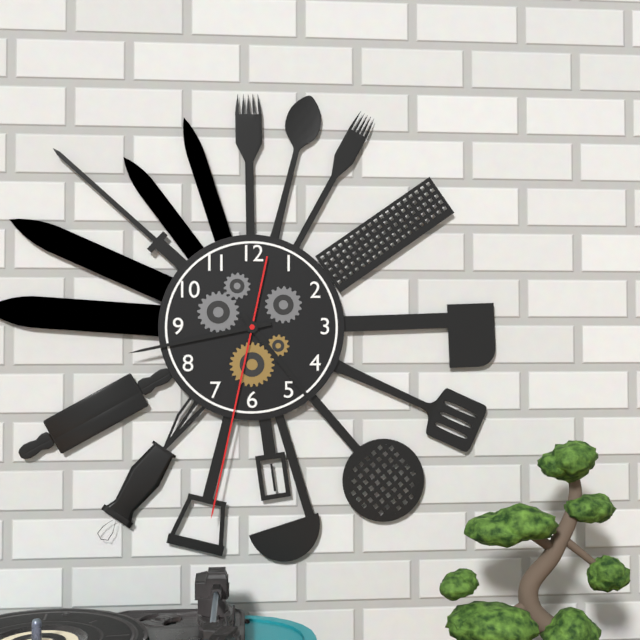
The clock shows 4.43.32
